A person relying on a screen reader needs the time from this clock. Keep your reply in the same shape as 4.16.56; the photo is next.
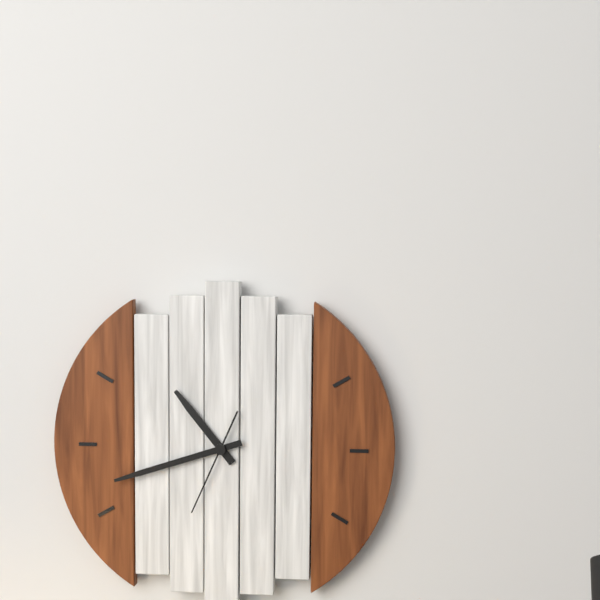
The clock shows 10.42.34
